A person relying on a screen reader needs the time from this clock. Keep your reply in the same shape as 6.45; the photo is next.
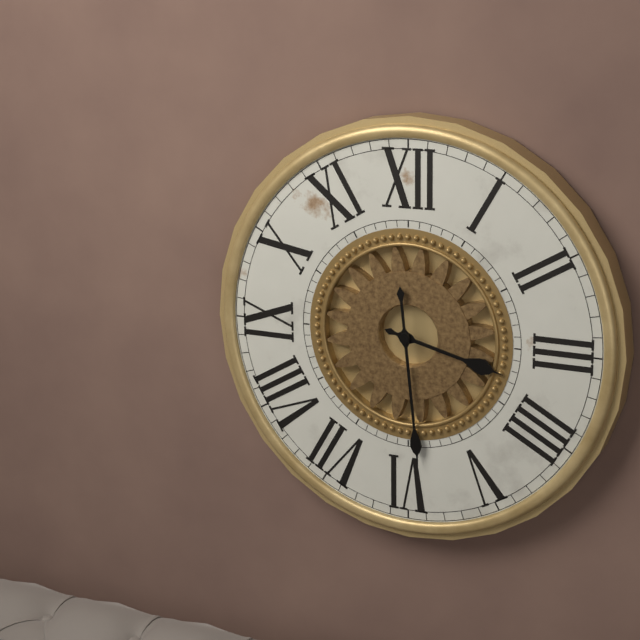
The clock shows 3.29
